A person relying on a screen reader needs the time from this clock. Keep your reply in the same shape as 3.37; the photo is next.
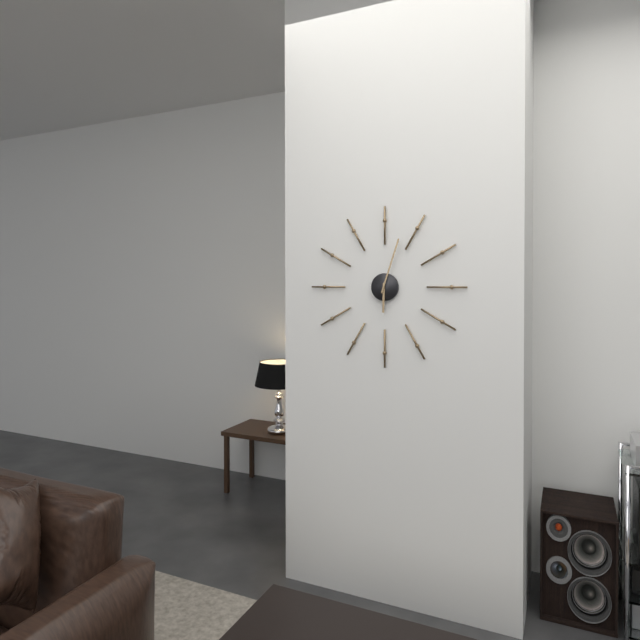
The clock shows 6.03
